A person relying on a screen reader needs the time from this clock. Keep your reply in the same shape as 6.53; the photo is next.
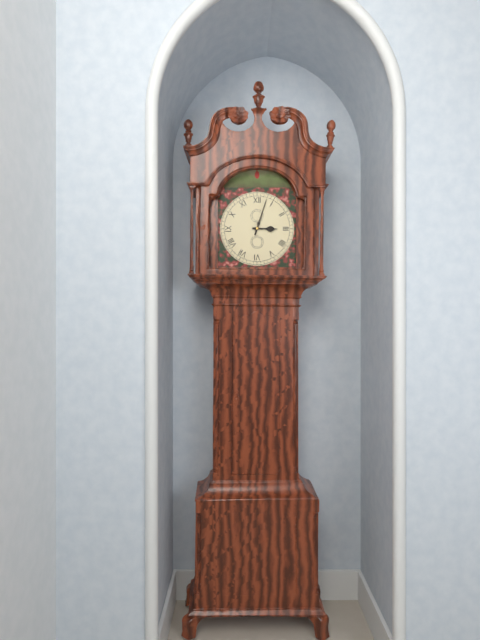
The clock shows 3.03
